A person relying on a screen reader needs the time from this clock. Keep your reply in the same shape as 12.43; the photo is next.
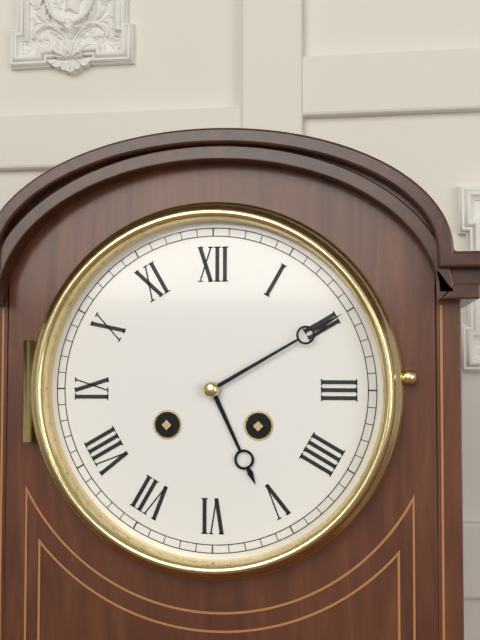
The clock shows 5.10
